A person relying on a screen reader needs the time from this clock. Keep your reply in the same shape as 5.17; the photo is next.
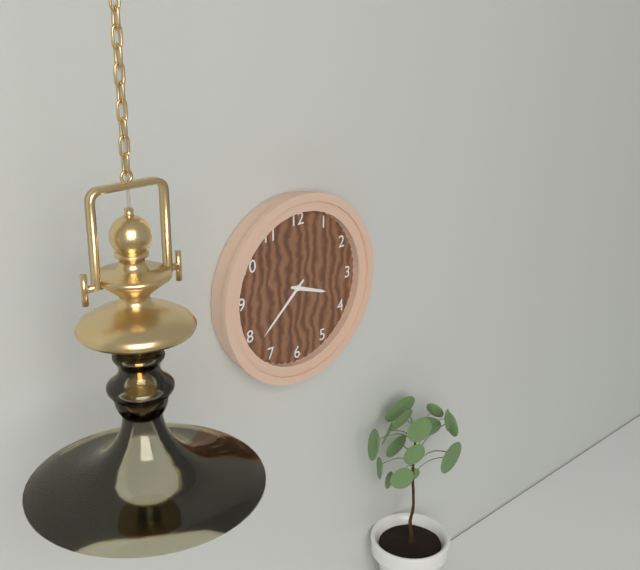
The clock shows 3.38
